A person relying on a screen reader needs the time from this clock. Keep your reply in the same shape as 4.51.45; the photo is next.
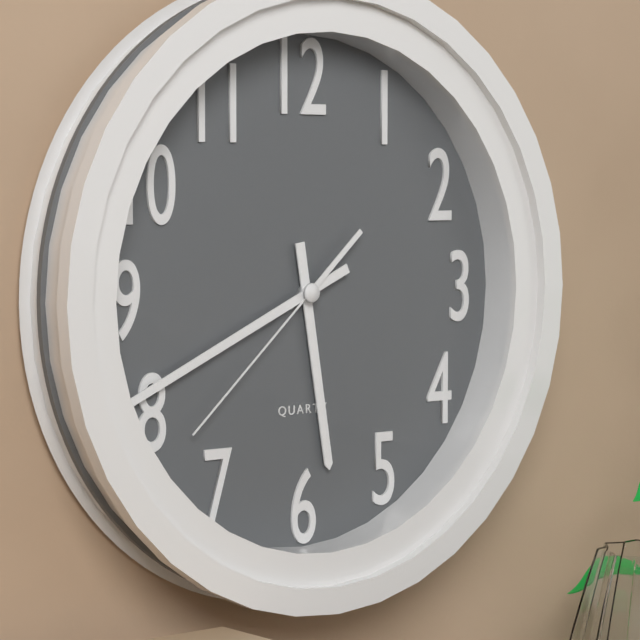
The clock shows 5.41.38
